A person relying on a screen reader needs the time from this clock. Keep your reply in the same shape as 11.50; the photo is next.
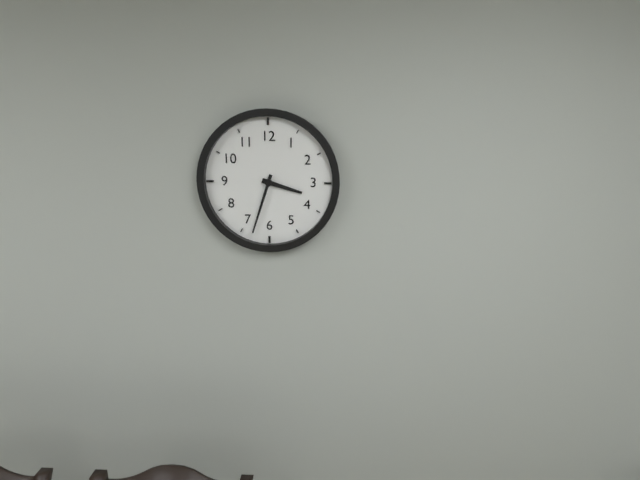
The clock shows 3.33
